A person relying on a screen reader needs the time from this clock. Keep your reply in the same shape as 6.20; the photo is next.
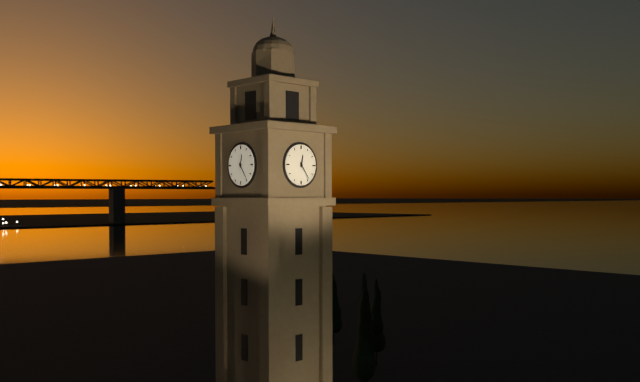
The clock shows 12.24
